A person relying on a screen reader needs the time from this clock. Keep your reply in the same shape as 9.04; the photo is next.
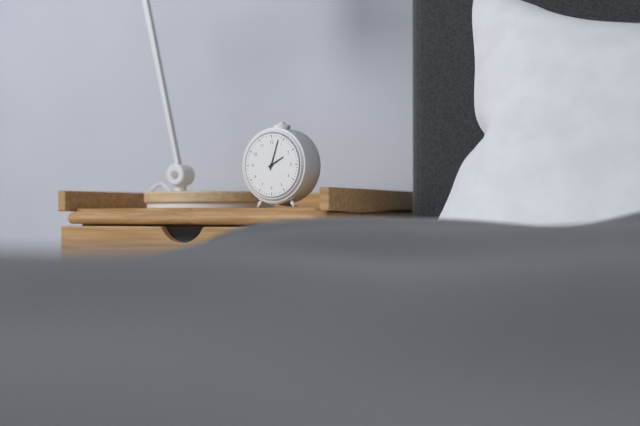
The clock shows 2.03
